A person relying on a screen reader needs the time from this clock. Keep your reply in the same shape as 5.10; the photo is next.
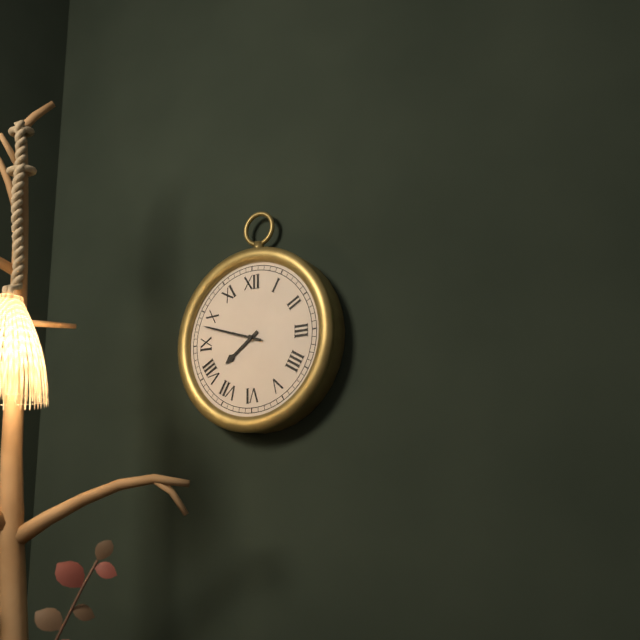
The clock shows 7.48
